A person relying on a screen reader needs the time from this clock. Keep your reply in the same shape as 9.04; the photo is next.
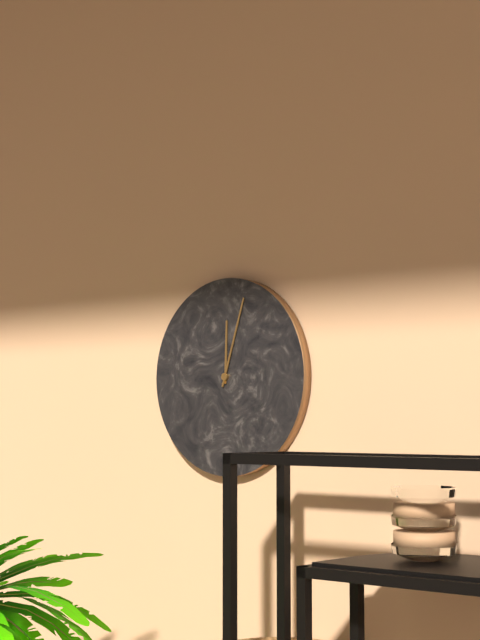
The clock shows 12.03
